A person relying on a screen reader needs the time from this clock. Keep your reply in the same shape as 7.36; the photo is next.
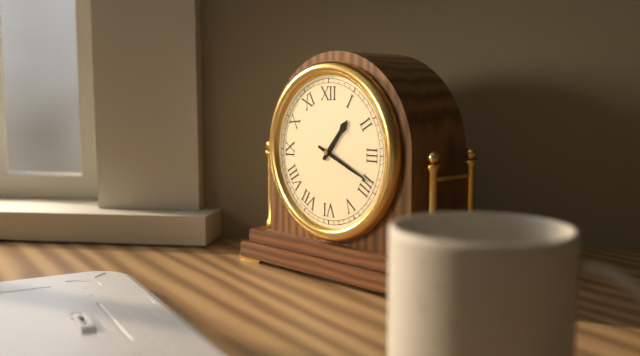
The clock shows 1.19
